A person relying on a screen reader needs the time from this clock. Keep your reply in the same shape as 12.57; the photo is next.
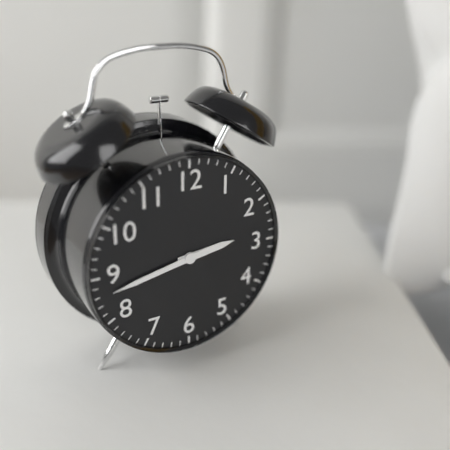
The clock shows 2.43
